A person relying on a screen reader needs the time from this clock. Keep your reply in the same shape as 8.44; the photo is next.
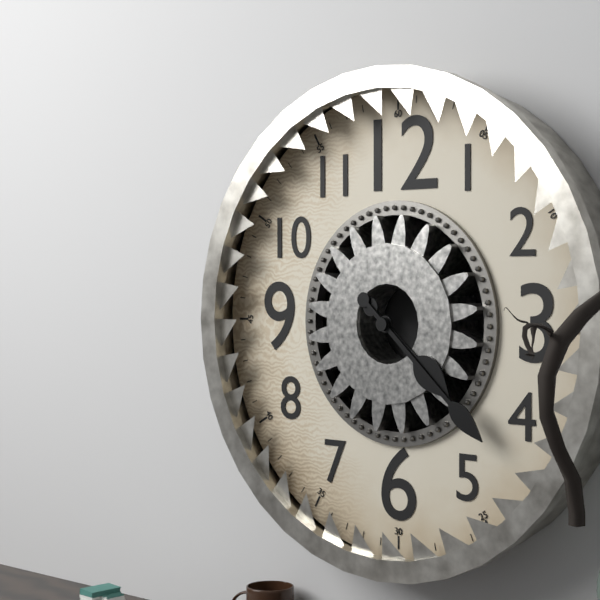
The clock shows 4.22
